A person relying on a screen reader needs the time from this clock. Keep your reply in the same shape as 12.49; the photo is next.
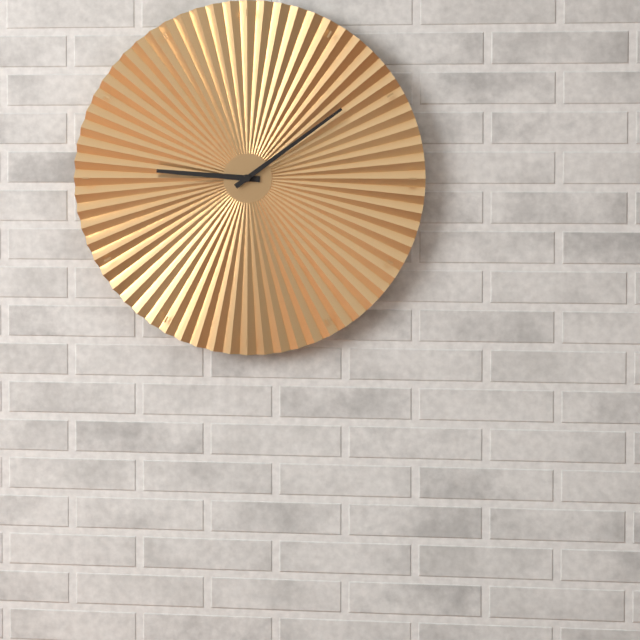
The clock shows 9.09
